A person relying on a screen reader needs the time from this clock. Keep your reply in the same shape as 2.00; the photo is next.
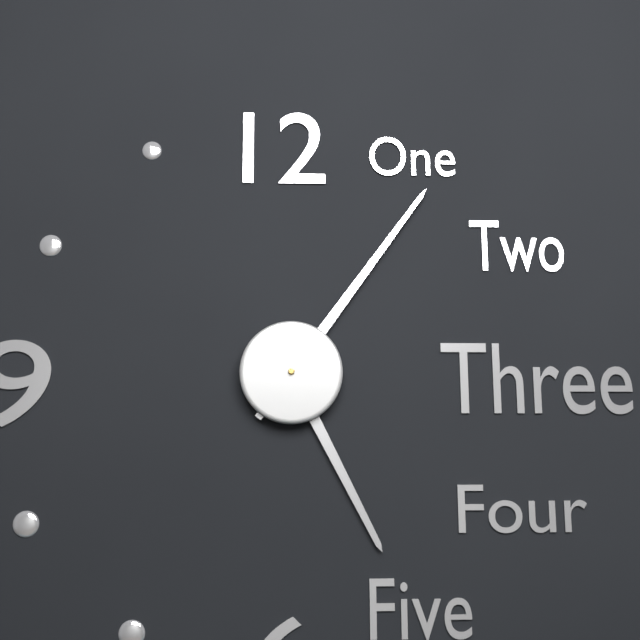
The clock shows 5.06
